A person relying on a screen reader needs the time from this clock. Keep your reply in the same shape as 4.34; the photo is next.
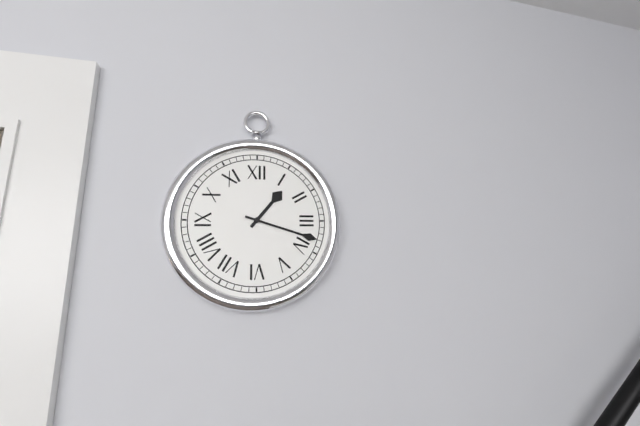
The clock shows 1.18
